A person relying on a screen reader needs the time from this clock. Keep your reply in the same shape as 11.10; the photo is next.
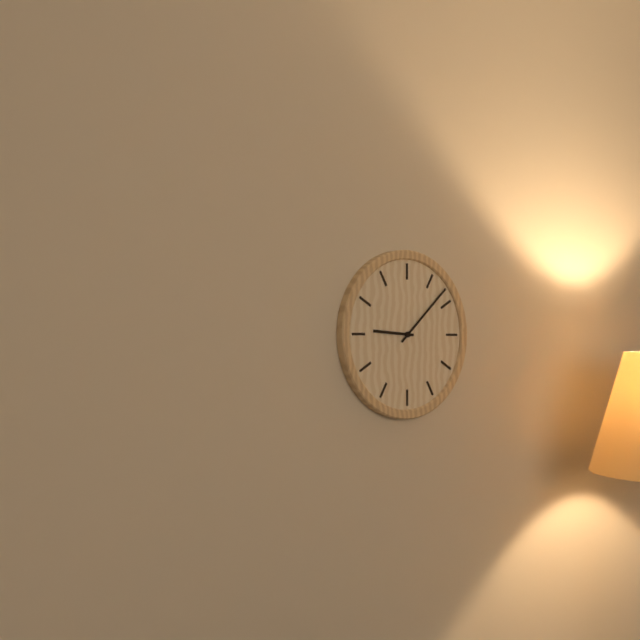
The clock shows 9.08
